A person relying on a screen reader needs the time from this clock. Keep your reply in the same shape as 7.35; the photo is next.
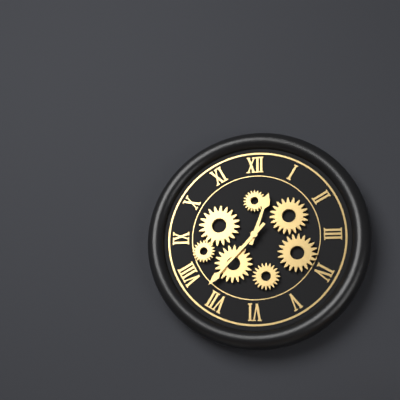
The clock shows 12.37
